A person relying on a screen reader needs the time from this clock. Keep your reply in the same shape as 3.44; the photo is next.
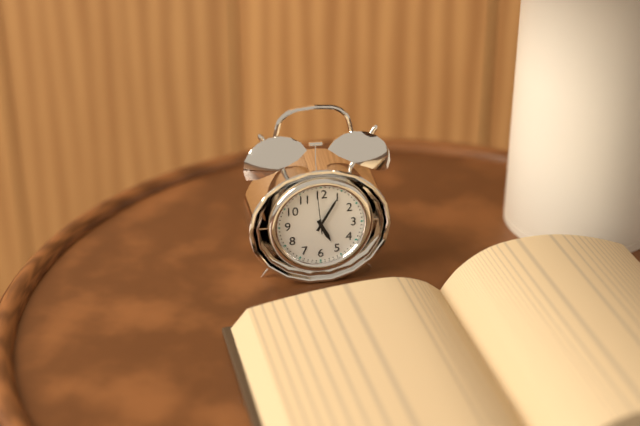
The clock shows 5.05
